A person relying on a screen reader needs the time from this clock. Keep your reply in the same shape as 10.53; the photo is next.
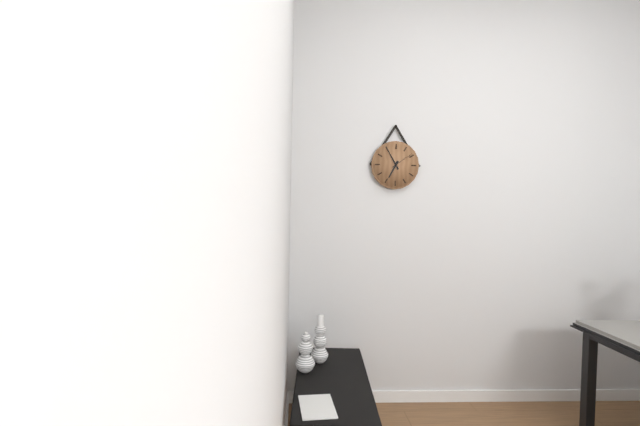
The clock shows 6.55
